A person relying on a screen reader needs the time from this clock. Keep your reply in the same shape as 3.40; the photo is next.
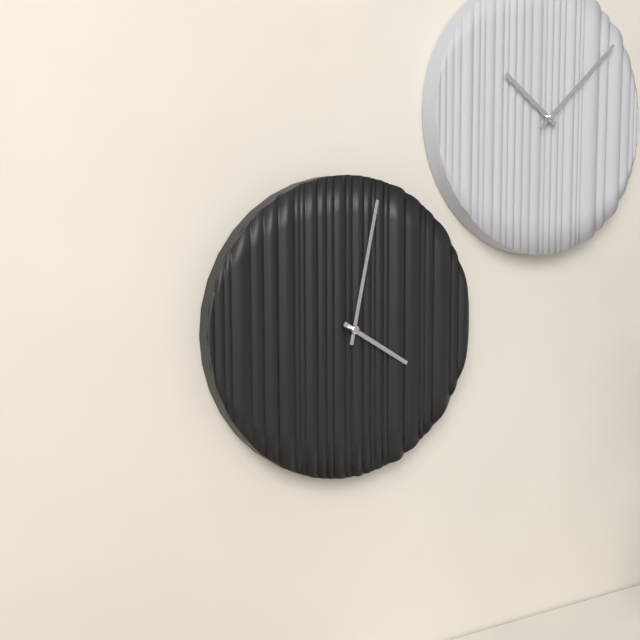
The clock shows 4.02
